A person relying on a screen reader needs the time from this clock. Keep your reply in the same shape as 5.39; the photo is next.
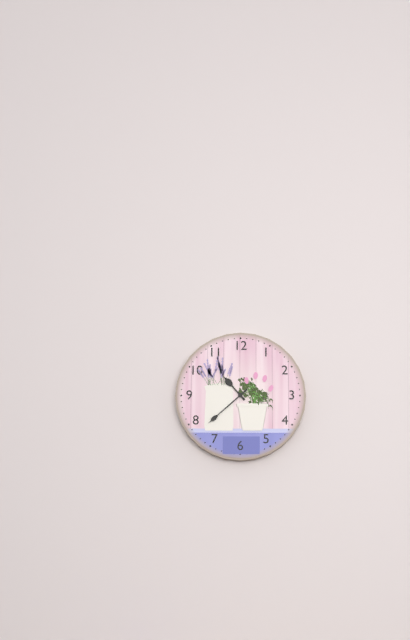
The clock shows 10.38
